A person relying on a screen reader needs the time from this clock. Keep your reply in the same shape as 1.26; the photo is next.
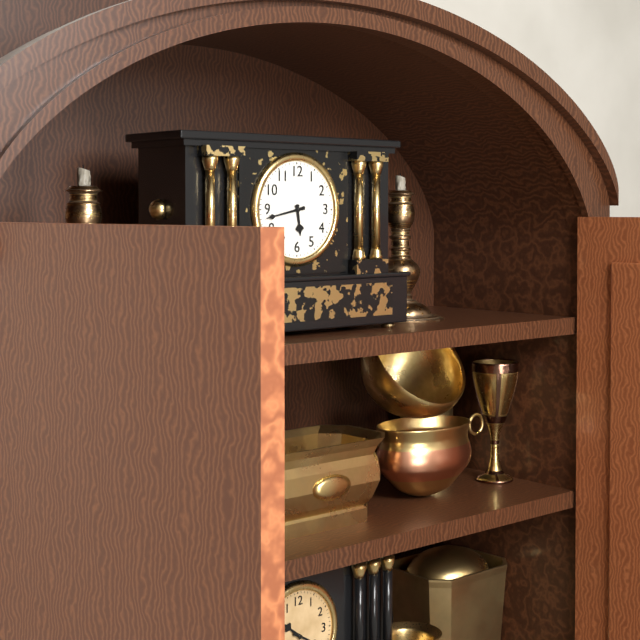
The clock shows 5.43
